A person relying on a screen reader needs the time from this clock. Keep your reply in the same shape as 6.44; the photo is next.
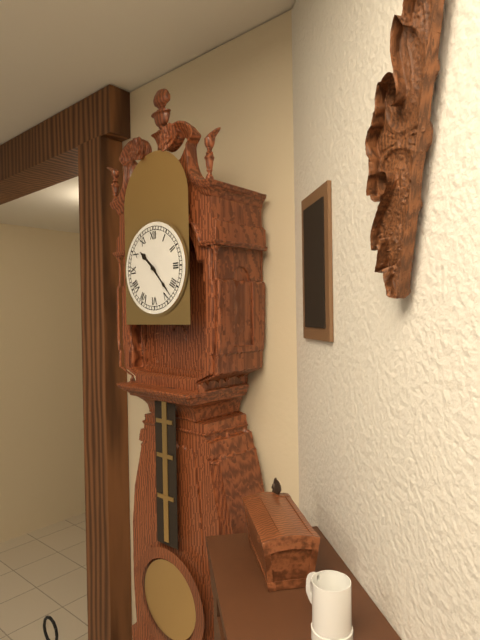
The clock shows 10.23
